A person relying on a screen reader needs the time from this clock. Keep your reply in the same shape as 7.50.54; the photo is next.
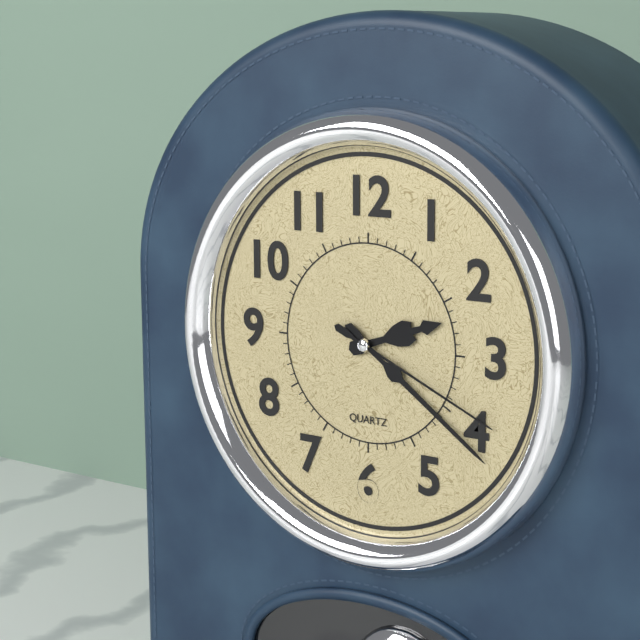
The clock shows 2.21.19
